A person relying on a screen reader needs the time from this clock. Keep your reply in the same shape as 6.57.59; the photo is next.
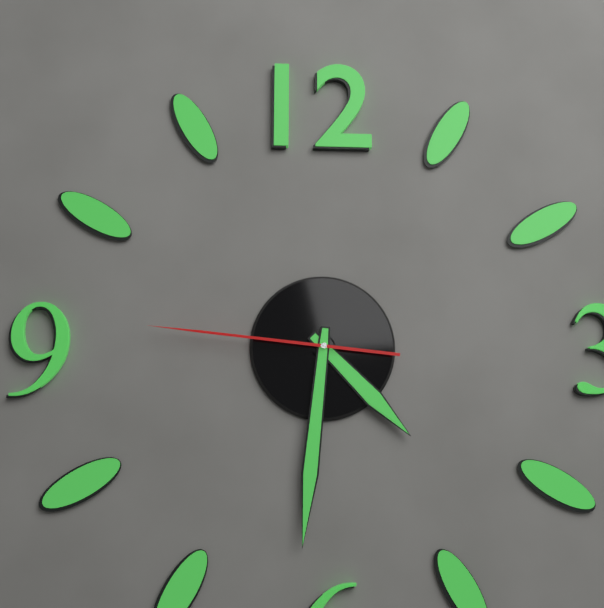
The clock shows 4.31.46
